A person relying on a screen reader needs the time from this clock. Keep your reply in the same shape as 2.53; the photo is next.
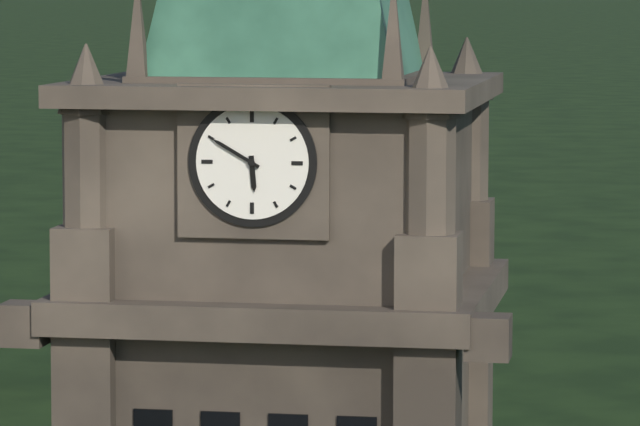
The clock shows 5.50
